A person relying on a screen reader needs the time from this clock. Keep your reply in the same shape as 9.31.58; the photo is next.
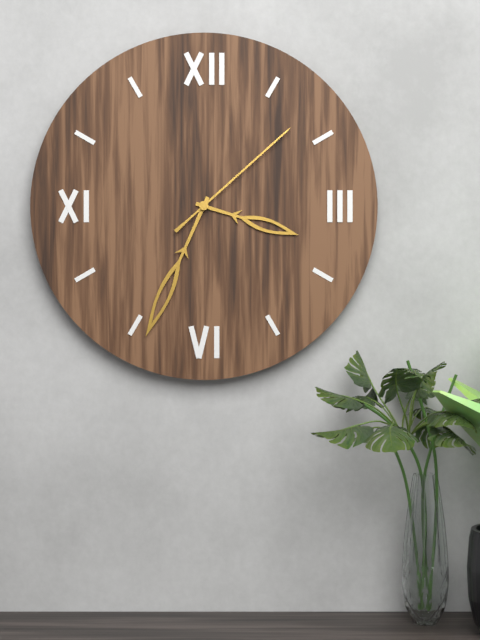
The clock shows 3.34.08
